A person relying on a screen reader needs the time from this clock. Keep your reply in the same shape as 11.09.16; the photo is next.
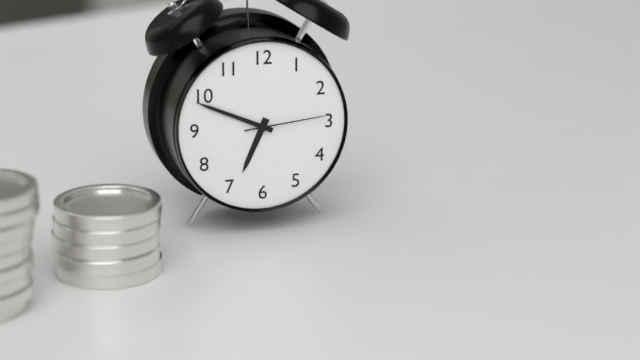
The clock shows 6.49.14
